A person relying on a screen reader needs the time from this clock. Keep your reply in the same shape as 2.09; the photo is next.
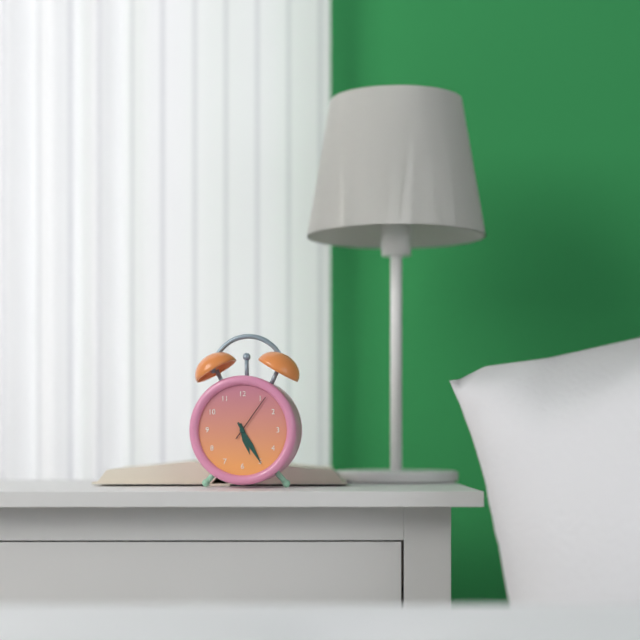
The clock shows 5.25
